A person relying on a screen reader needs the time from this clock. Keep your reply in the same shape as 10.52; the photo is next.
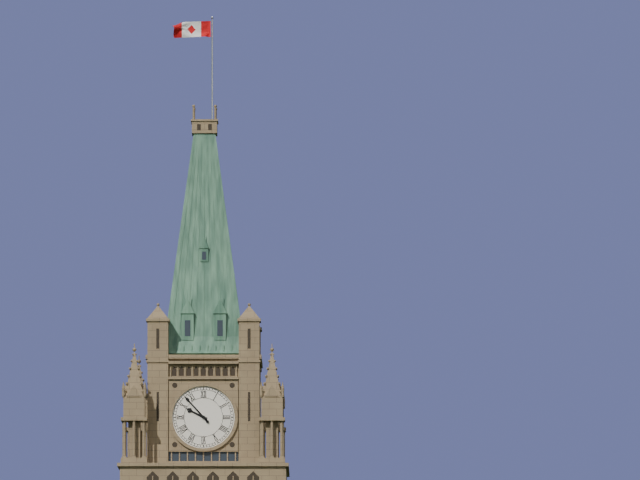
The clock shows 9.53
